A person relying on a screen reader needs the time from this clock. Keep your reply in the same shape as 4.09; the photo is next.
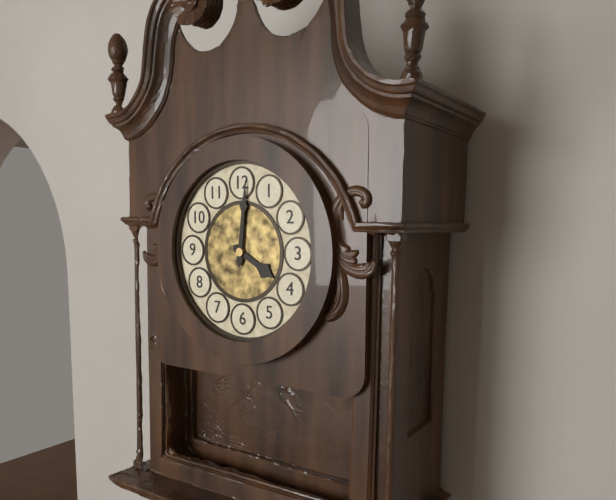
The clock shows 4.01
